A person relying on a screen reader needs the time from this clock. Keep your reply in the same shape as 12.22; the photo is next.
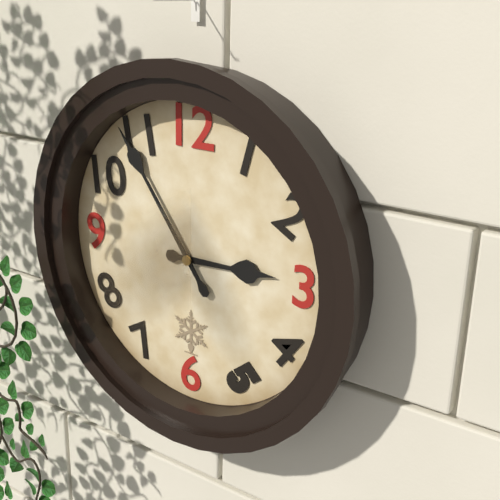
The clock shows 2.54
